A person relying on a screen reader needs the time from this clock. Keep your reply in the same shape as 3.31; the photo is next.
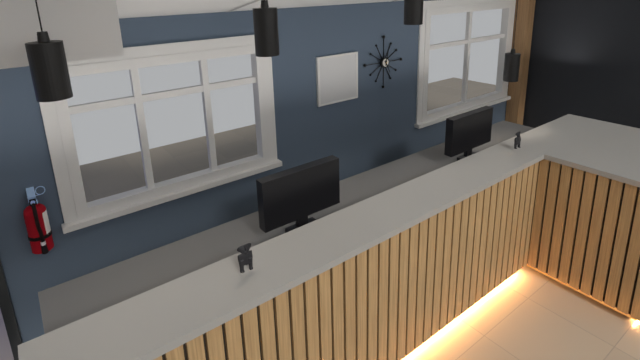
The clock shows 5.02
